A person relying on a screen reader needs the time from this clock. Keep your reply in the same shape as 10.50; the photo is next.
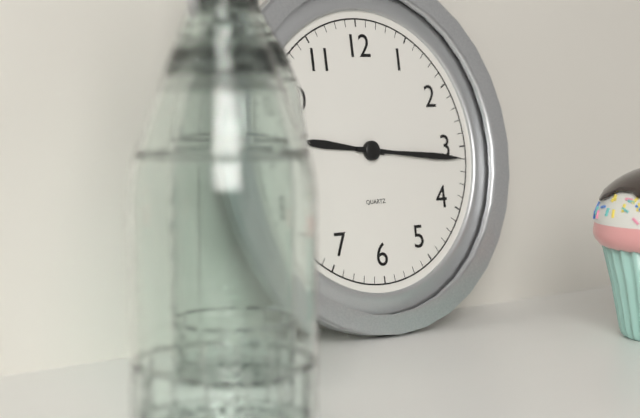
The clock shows 9.16
